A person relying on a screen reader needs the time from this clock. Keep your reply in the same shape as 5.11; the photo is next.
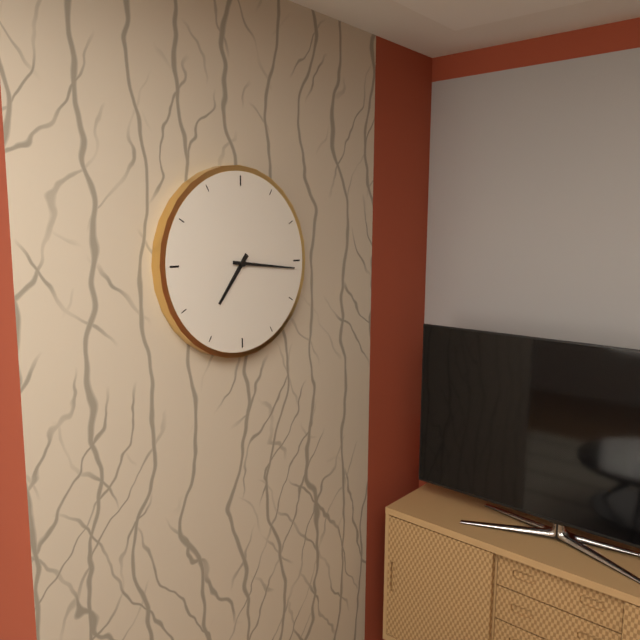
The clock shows 7.16
